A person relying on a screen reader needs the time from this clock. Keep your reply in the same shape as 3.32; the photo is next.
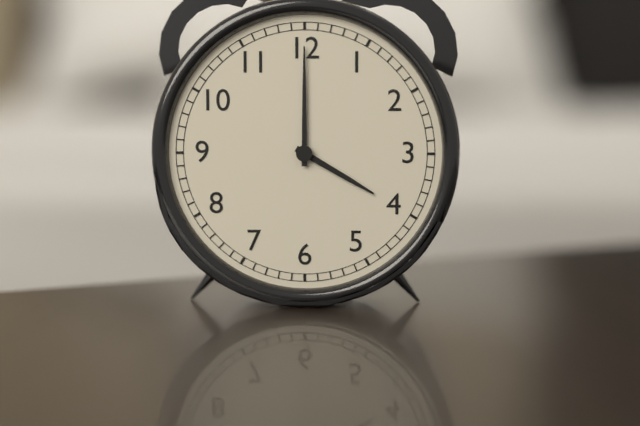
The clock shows 4.00
